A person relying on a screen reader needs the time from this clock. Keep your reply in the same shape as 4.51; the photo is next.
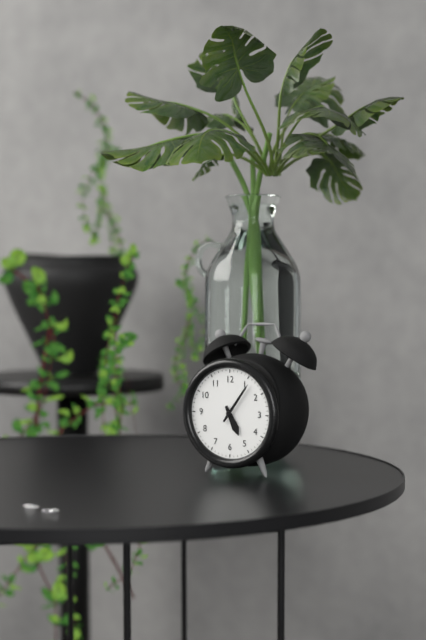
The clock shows 5.06
